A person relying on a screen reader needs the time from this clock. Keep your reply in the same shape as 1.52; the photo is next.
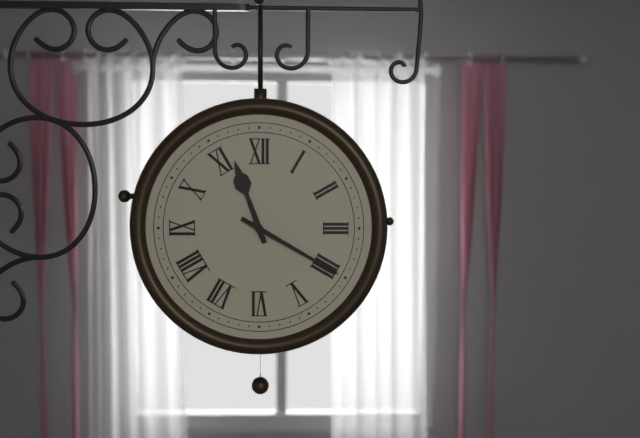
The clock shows 11.20
